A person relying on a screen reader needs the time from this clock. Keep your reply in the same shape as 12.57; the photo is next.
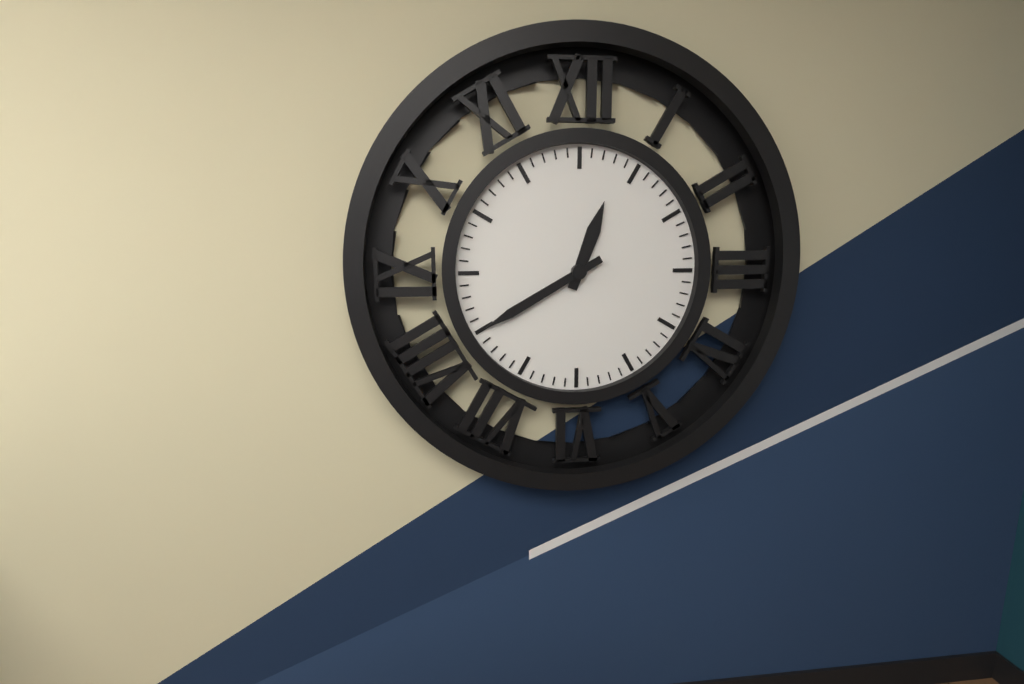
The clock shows 12.40
